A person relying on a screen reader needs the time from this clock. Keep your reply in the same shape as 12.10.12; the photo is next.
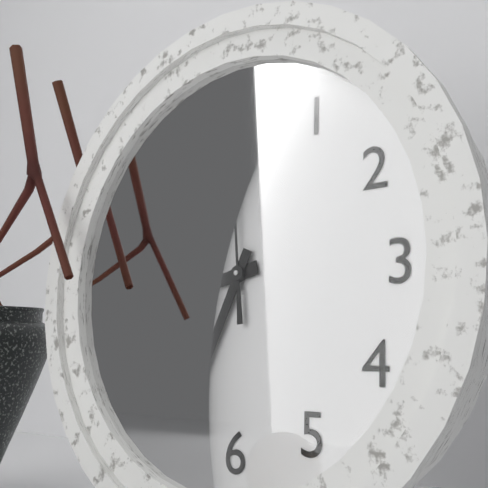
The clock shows 8.34.59
